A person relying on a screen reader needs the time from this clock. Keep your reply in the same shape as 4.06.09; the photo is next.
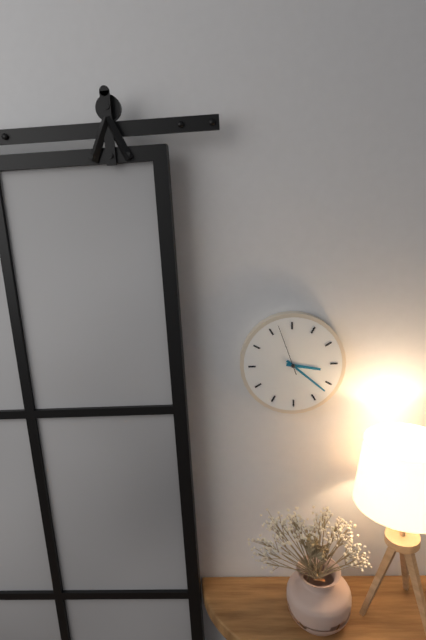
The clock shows 3.22.57
